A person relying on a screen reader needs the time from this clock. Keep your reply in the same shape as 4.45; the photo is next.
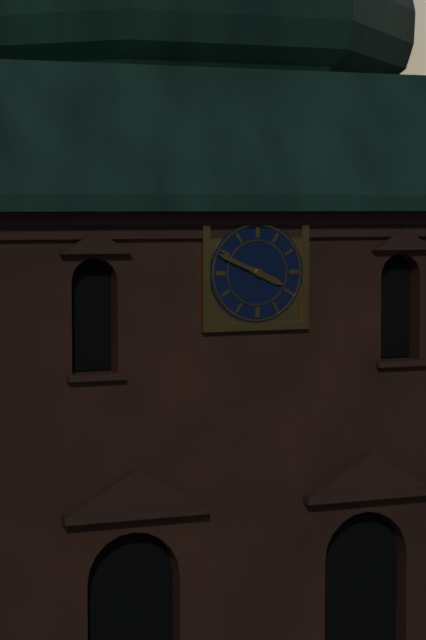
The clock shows 3.49
